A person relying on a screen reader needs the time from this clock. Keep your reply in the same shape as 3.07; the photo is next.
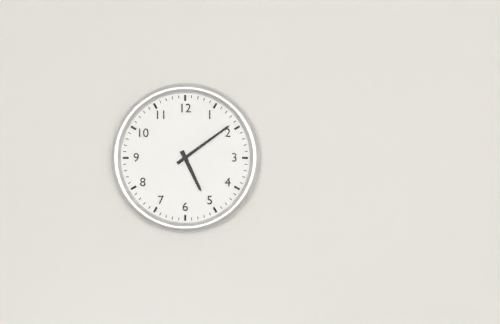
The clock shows 5.09
